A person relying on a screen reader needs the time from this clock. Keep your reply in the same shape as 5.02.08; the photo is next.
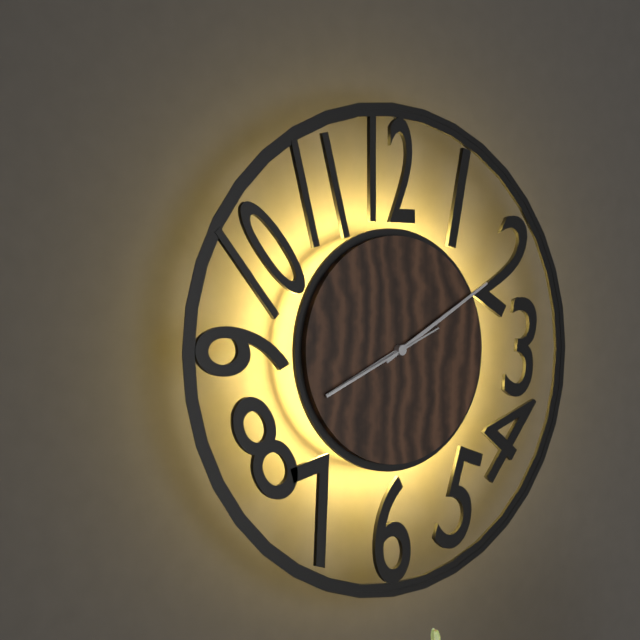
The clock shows 8.10.41
